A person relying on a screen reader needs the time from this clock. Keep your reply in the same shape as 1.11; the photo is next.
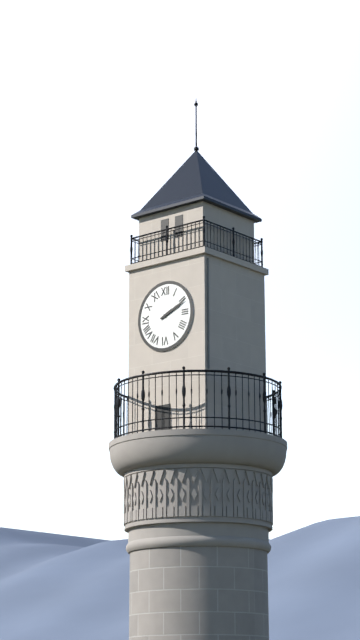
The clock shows 2.11
